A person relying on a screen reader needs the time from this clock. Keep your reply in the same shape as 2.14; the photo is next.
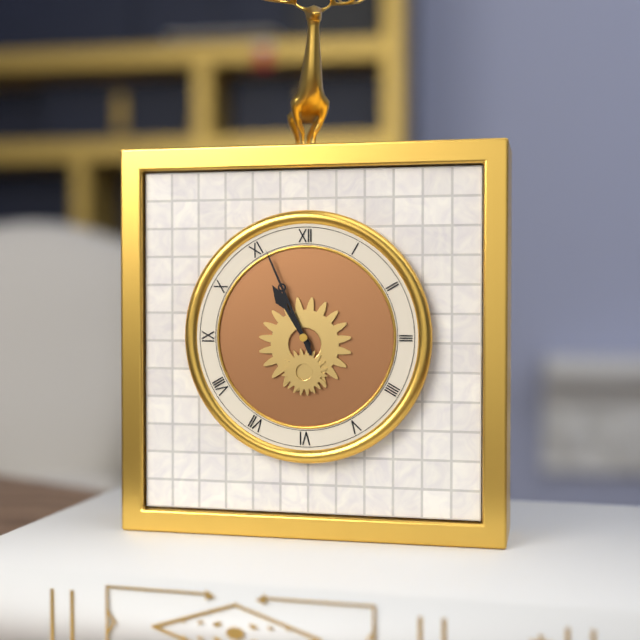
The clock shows 10.56
